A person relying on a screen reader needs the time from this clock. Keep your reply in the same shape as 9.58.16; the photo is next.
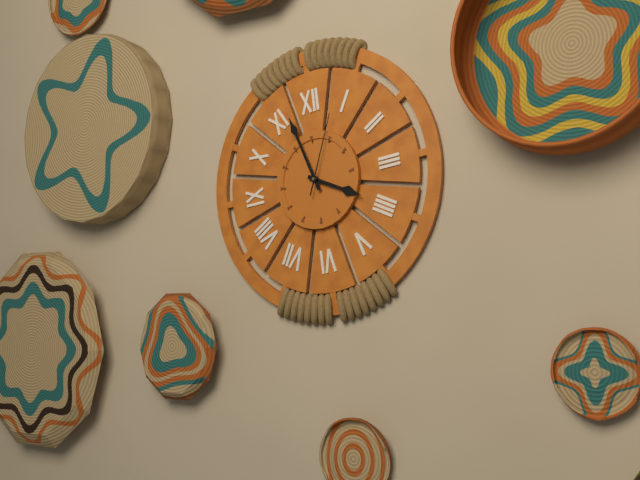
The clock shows 3.57.04
